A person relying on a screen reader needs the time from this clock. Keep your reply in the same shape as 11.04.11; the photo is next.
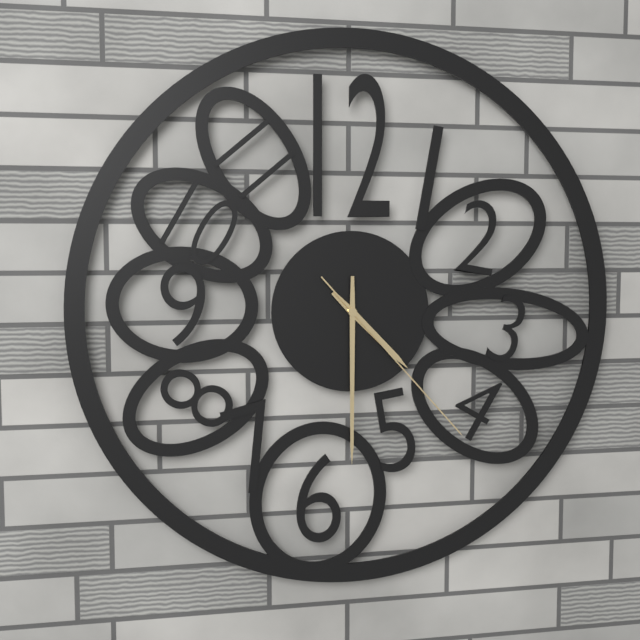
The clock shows 4.30.23
